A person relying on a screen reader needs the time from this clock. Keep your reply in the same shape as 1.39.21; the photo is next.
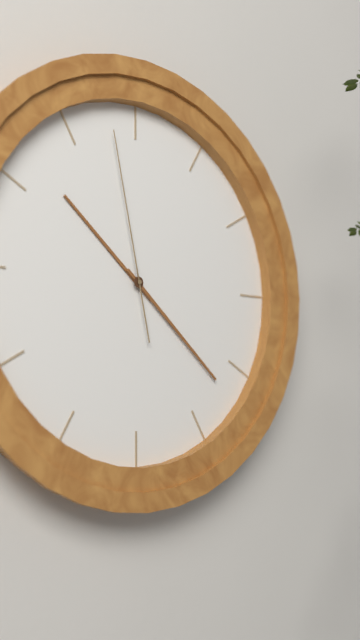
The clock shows 10.22.58
